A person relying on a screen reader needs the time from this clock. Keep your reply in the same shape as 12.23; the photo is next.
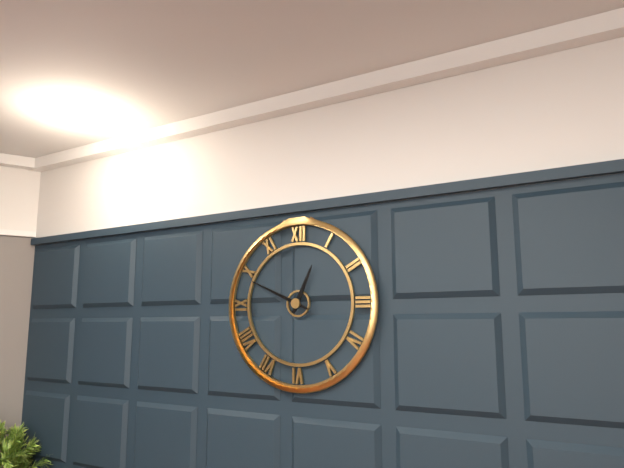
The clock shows 12.49
